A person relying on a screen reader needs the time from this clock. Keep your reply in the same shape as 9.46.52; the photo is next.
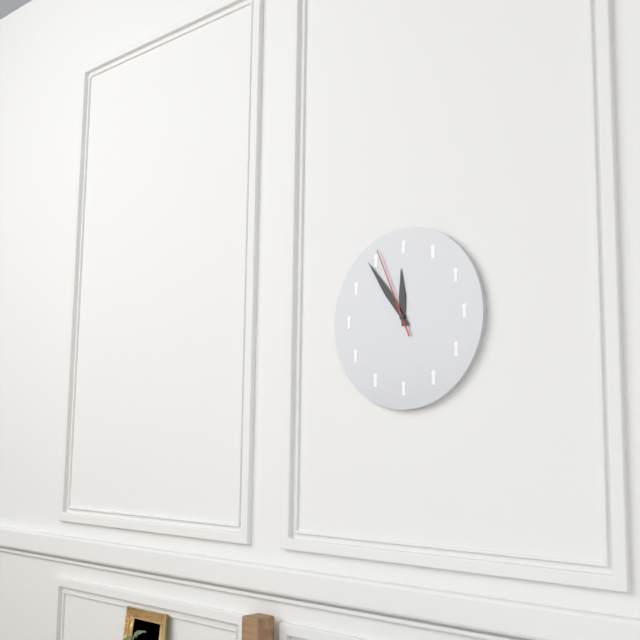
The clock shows 11.54.56
